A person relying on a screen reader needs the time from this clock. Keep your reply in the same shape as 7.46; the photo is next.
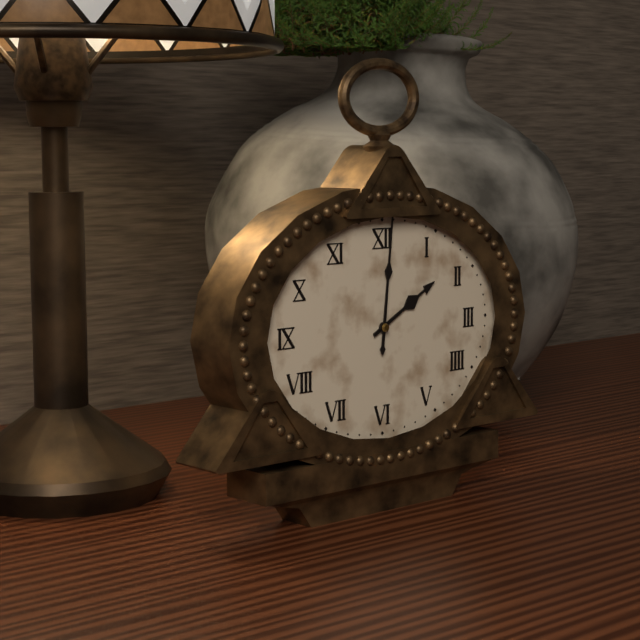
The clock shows 2.01
